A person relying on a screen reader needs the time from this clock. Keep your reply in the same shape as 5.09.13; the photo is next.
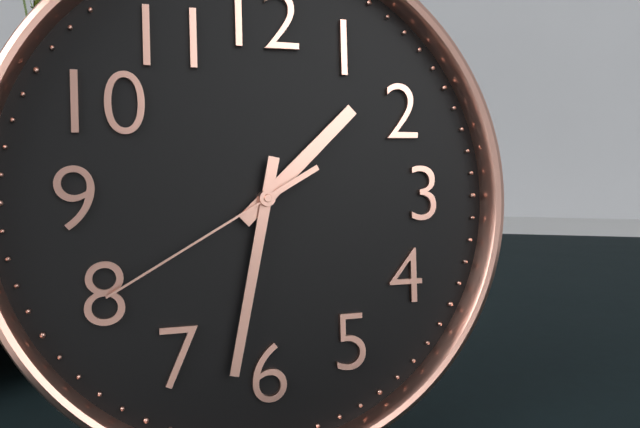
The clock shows 1.32.40
